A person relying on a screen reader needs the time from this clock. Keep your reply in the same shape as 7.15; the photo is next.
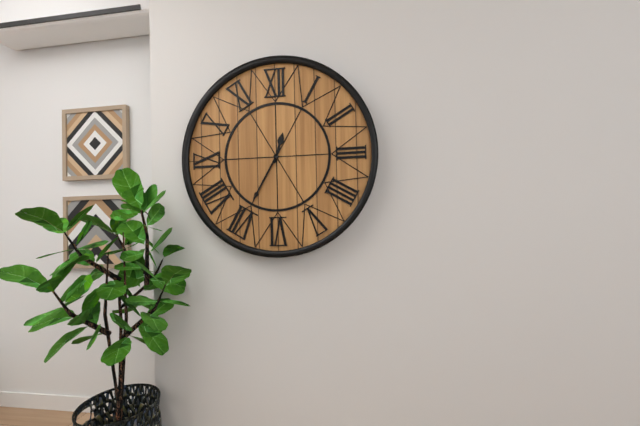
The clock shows 12.35
